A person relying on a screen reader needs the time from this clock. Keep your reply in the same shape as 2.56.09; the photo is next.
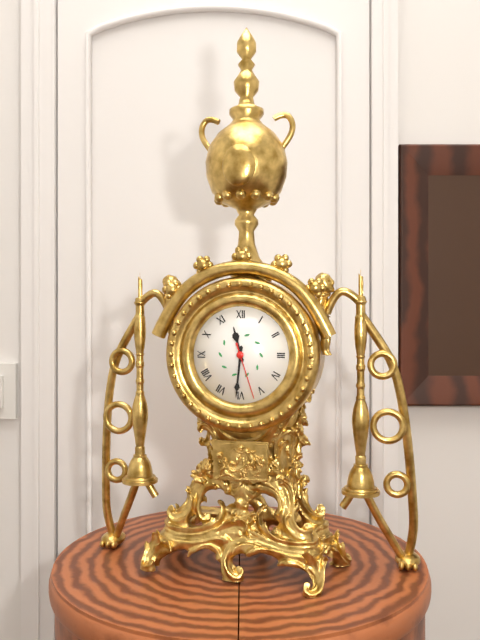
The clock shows 11.31.27
